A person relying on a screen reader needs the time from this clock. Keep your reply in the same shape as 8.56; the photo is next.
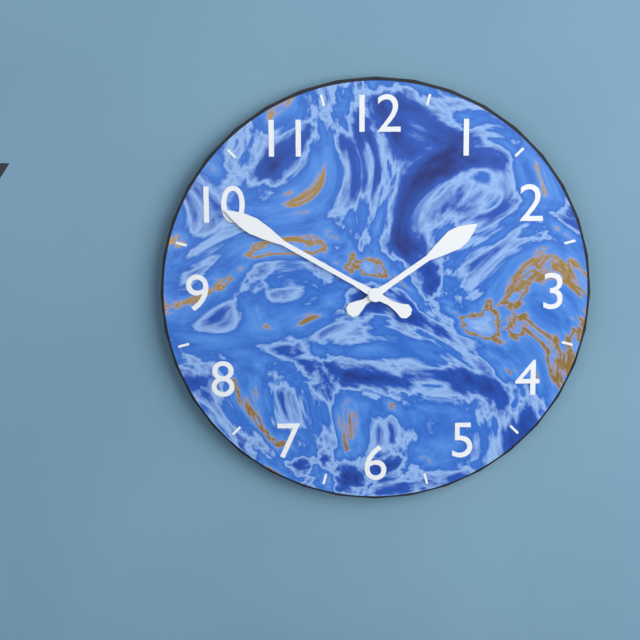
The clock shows 1.50
